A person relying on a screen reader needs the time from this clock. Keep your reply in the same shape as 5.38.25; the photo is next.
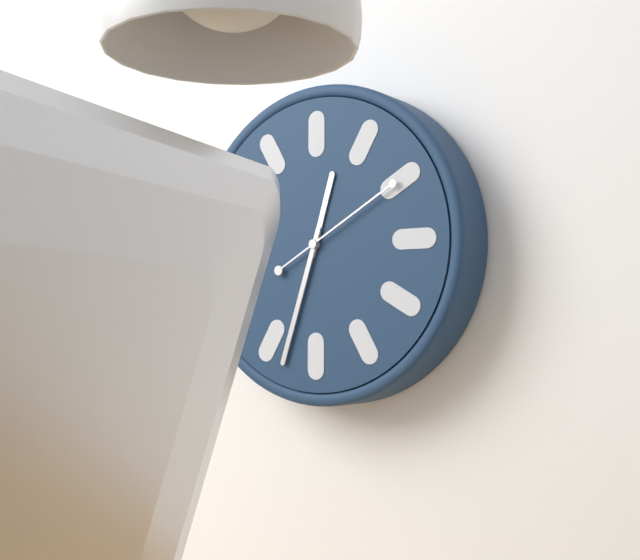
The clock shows 12.33.10
